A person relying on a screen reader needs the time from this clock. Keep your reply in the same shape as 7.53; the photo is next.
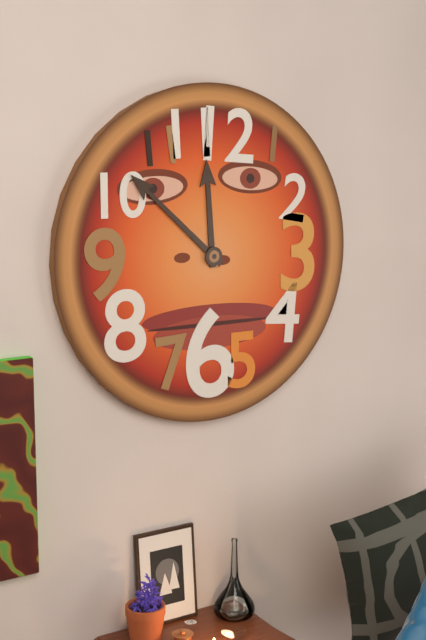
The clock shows 11.52
